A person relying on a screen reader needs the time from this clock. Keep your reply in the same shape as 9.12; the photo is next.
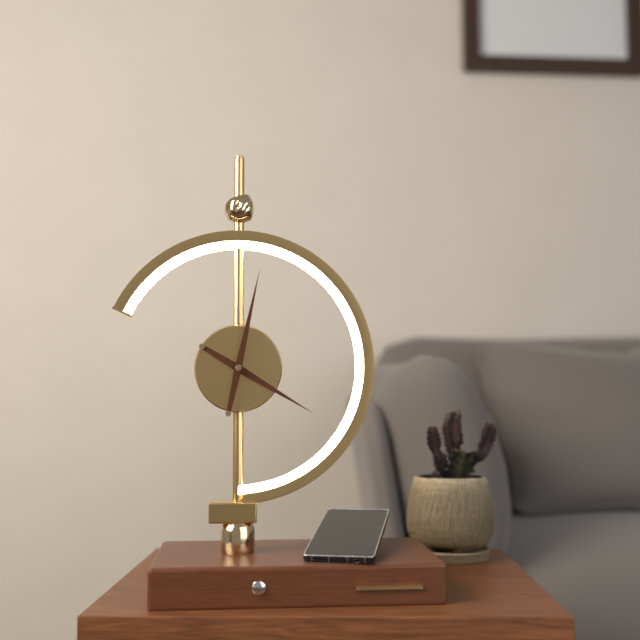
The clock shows 4.02
